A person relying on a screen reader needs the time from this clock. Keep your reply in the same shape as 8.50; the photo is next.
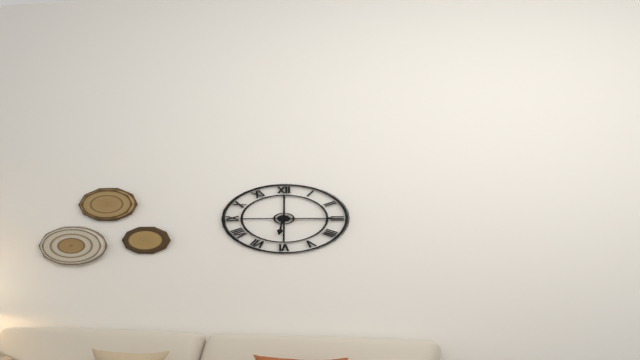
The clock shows 6.15
